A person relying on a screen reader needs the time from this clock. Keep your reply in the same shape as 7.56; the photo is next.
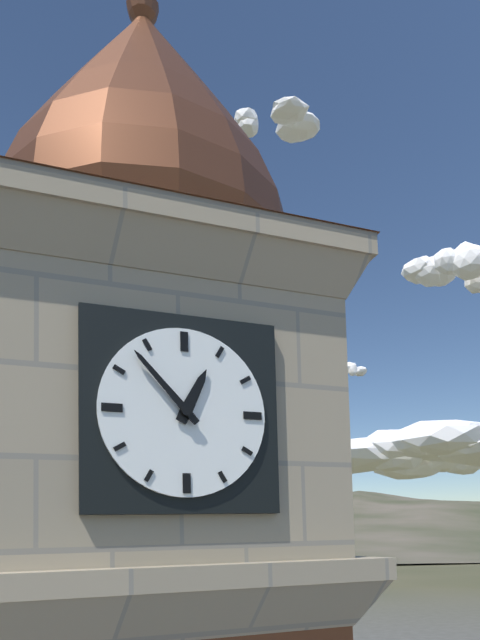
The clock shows 12.53
